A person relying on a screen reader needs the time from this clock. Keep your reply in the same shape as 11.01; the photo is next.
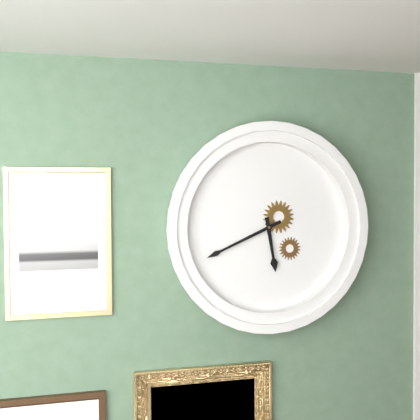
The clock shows 5.41
